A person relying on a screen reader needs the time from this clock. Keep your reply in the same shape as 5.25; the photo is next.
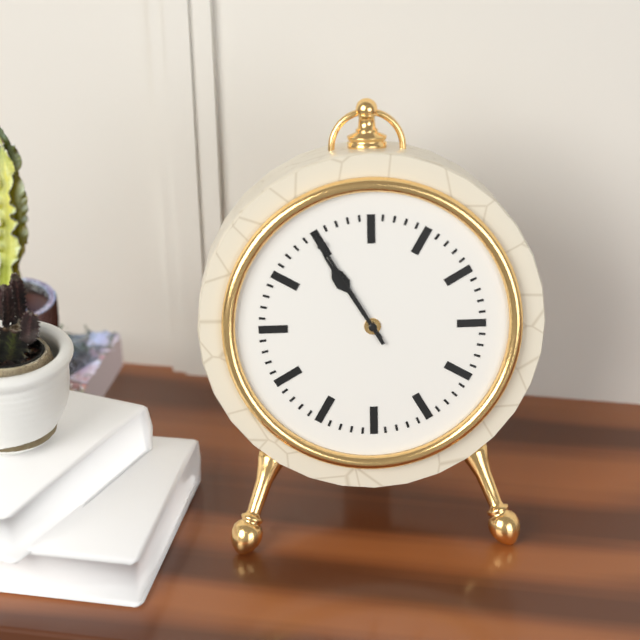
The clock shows 10.55
